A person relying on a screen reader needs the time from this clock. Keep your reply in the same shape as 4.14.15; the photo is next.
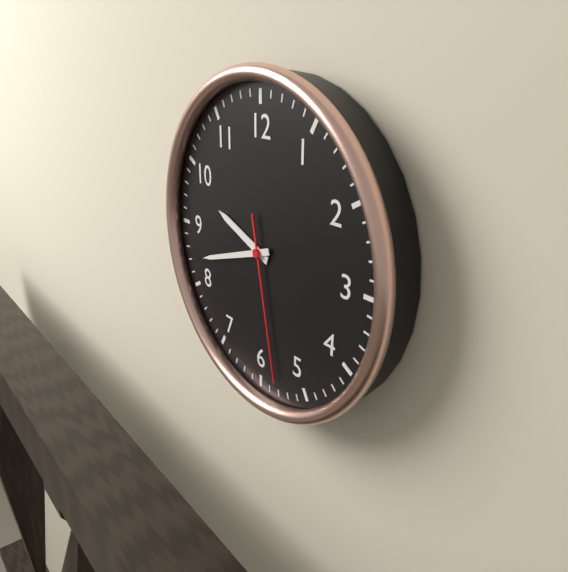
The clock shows 9.42.28
